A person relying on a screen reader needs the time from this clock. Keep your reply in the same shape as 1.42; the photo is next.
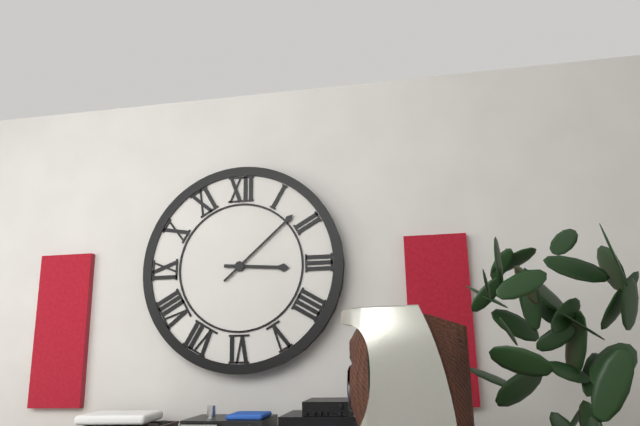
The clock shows 3.08
